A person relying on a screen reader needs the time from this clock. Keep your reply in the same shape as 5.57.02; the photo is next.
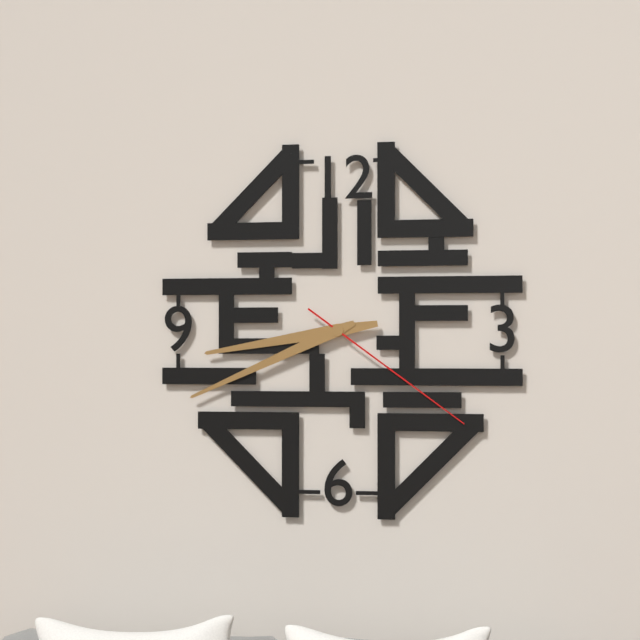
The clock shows 8.41.21
